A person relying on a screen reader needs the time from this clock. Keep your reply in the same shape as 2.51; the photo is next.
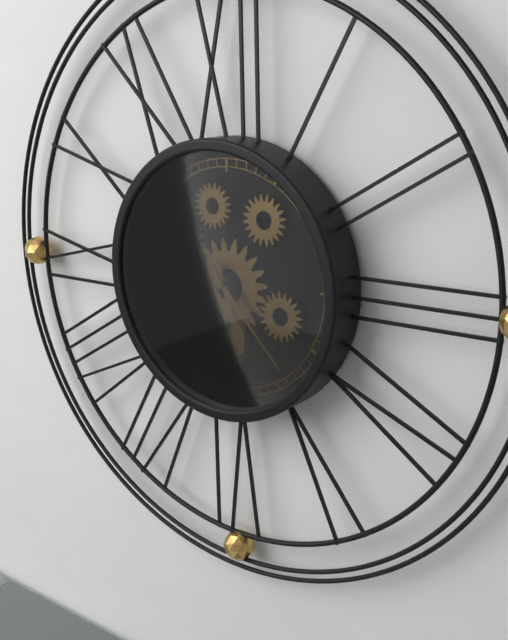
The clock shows 5.23
